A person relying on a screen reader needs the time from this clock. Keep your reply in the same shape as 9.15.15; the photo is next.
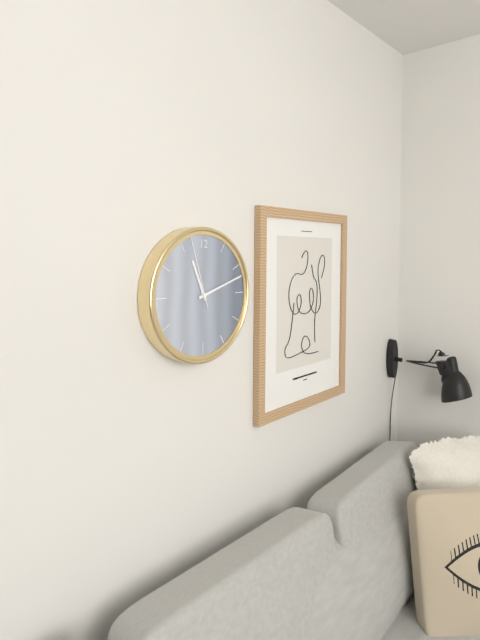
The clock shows 11.12.57
